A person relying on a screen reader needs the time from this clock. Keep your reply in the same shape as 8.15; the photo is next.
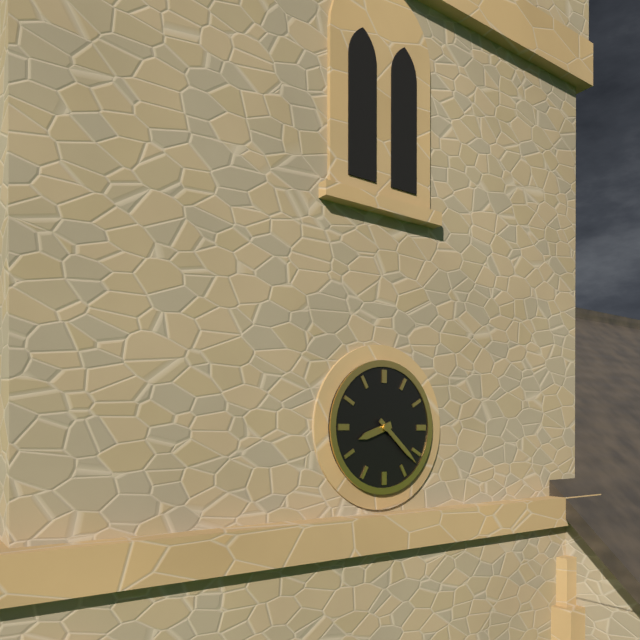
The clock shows 8.22
